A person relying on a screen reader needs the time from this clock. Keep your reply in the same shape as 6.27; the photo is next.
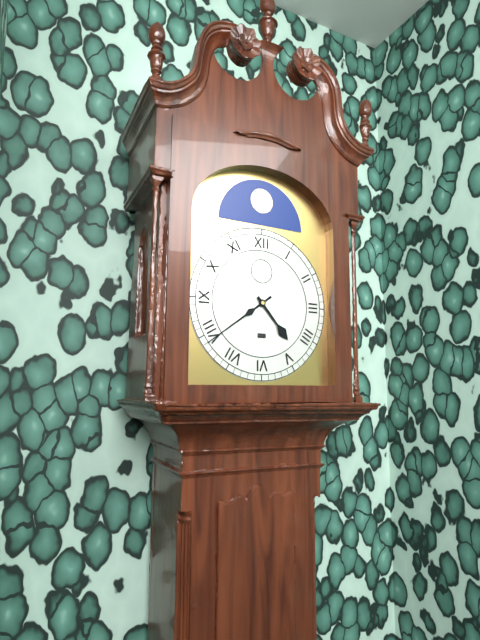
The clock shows 4.39
